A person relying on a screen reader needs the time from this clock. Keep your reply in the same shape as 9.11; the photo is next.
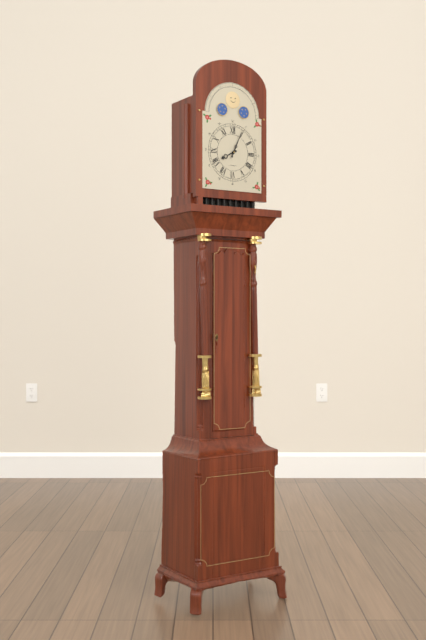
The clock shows 8.04
